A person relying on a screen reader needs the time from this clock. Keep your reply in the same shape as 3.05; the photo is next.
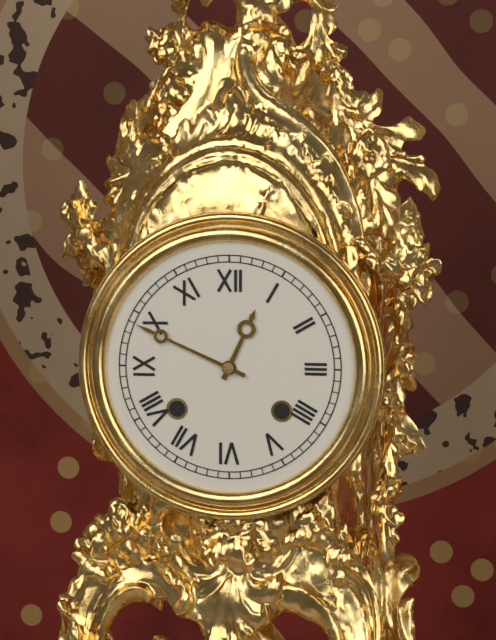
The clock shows 12.49
